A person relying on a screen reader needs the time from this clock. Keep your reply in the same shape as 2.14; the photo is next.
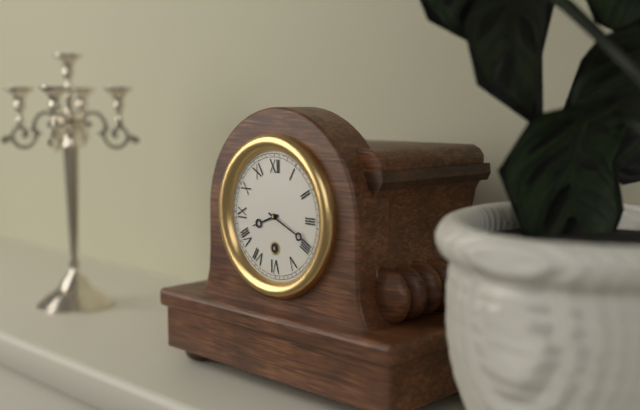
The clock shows 8.19
